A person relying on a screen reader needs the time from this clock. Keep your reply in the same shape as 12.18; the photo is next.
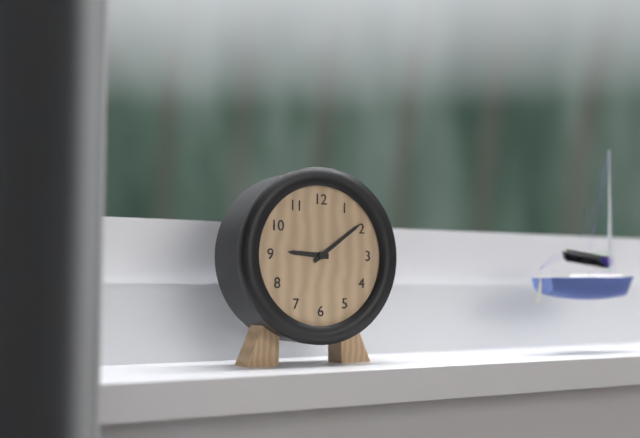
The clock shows 9.09
